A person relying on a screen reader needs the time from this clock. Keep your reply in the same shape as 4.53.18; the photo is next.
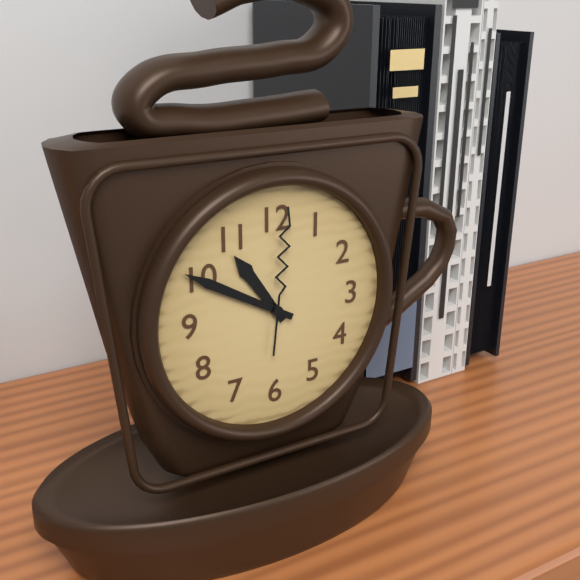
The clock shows 10.50.01
